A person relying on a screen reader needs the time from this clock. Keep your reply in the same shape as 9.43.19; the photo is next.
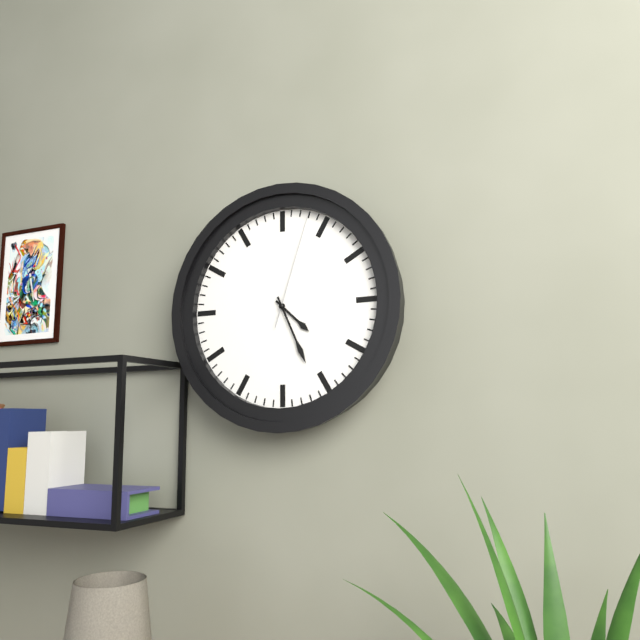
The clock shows 4.26.03
